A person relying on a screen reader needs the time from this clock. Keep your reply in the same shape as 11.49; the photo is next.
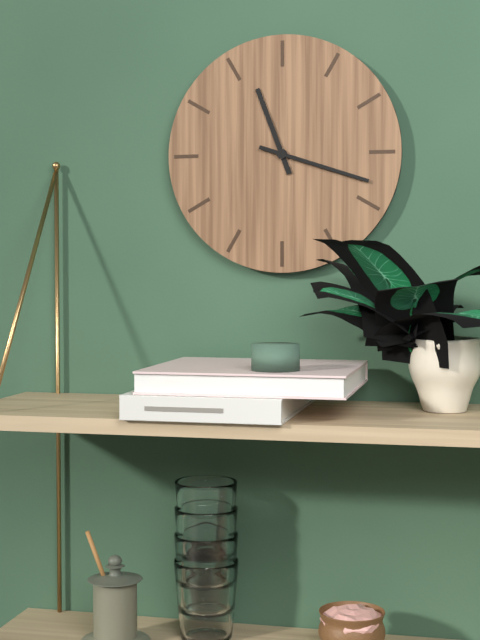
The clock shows 11.18
